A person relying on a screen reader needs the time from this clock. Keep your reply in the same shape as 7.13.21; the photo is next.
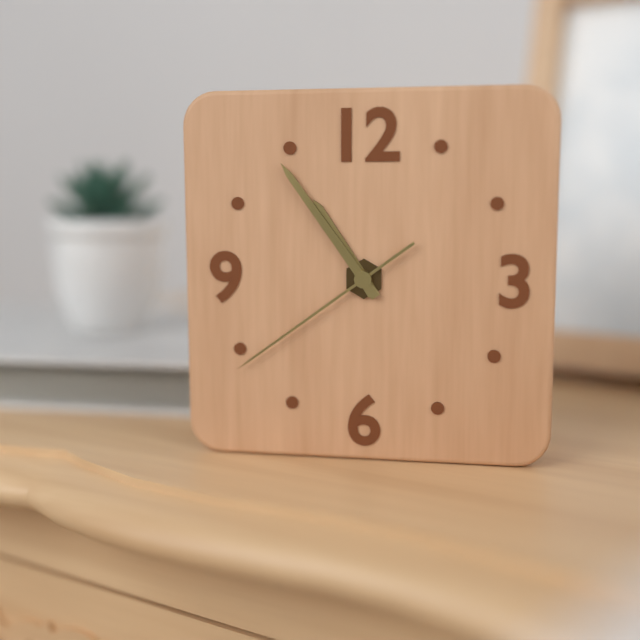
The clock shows 10.54.39
